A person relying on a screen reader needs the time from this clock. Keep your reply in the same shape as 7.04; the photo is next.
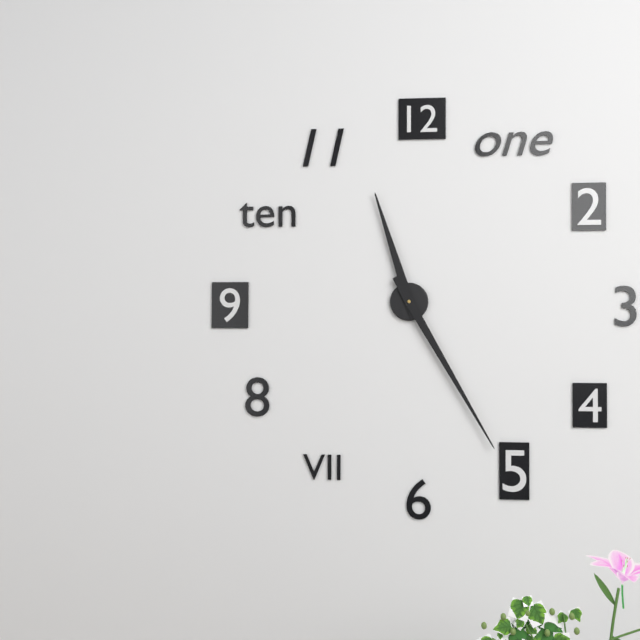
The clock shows 11.25
